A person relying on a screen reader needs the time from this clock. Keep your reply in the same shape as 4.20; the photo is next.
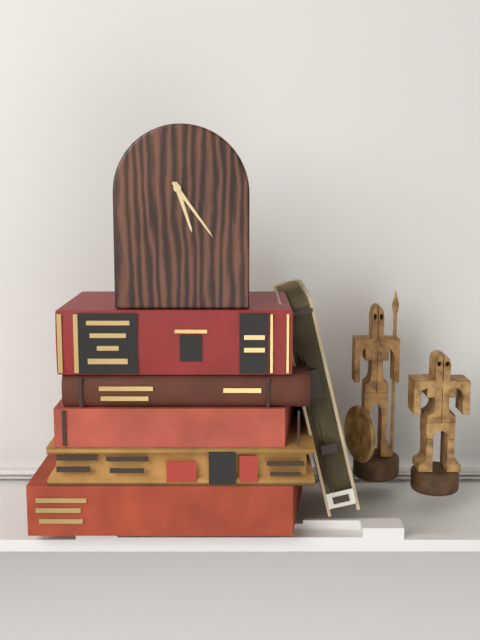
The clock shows 5.24
